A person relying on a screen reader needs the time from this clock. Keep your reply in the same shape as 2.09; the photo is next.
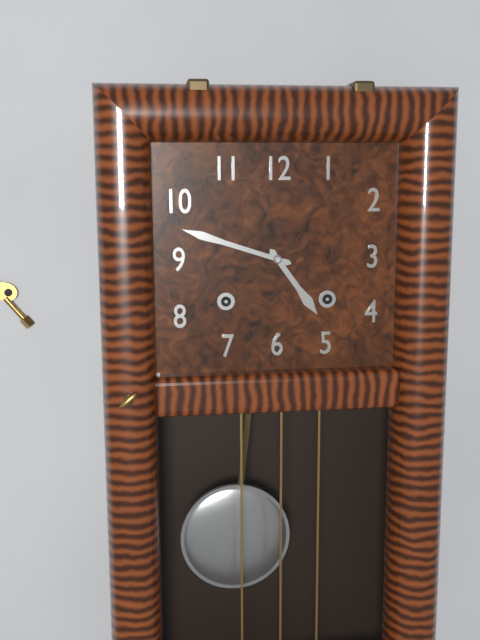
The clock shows 4.48
